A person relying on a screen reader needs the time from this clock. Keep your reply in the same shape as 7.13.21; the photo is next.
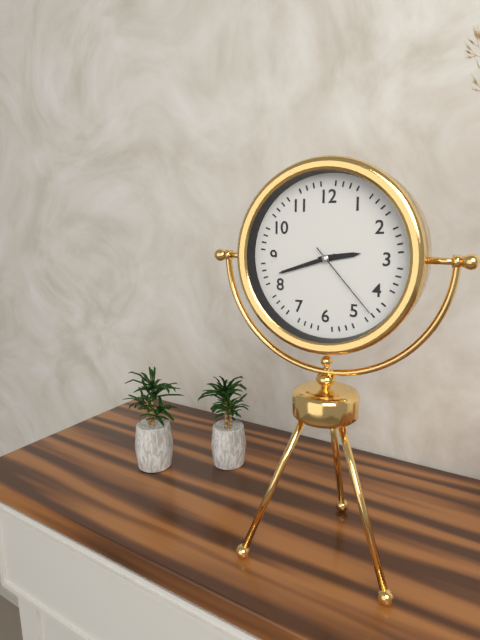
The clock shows 2.42.23
